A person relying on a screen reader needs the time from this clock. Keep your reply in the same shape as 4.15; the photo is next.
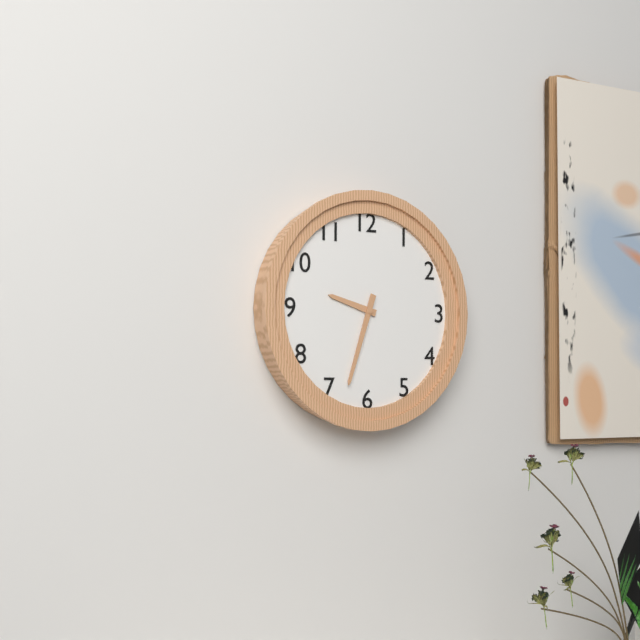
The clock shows 9.33
